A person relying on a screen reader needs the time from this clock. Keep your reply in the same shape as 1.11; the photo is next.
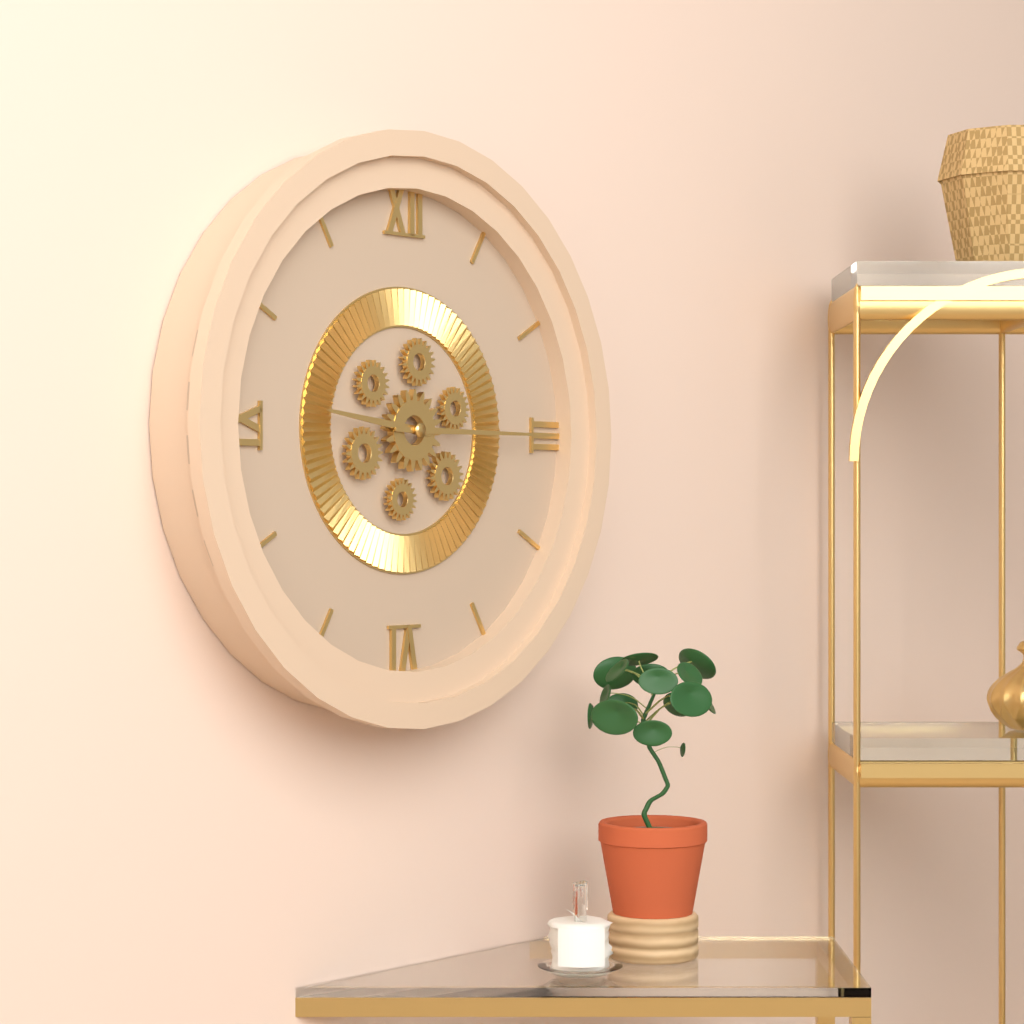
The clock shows 9.15
